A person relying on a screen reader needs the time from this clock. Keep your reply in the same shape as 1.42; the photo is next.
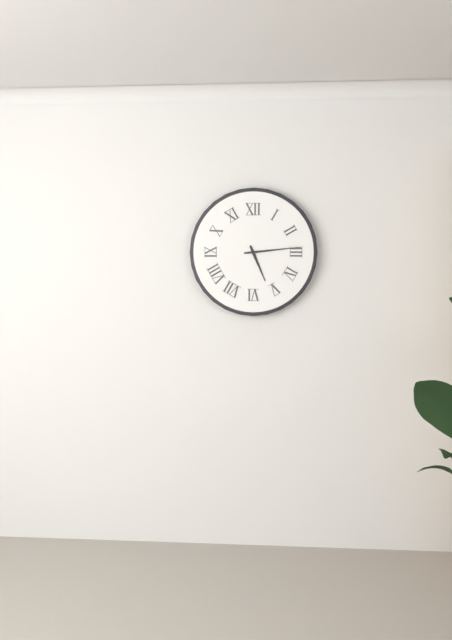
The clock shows 5.14
